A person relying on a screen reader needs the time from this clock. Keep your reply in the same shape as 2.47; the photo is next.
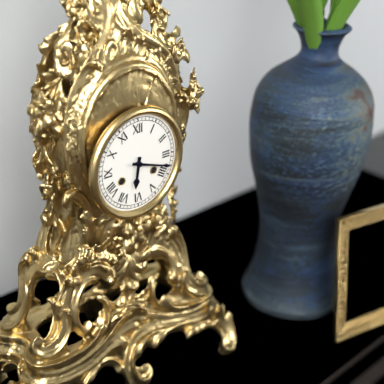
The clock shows 6.18
